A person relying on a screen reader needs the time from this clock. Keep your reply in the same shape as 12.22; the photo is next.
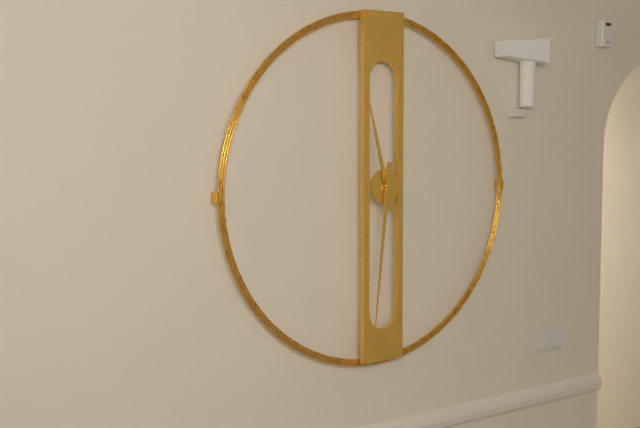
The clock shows 11.31
